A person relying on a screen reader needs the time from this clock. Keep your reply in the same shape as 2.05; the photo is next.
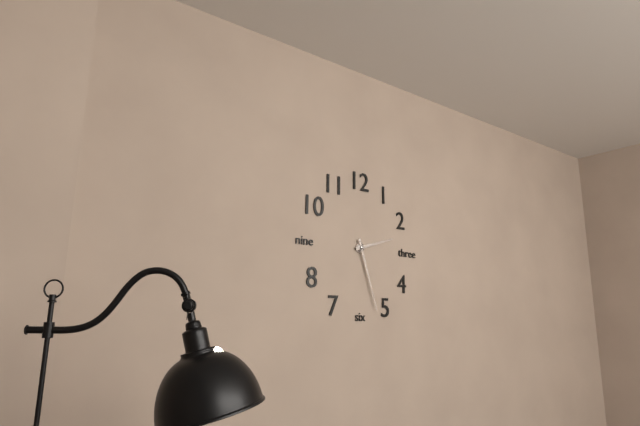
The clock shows 2.27
